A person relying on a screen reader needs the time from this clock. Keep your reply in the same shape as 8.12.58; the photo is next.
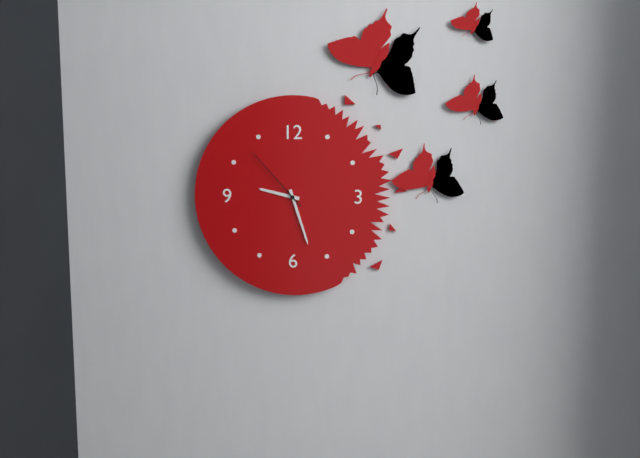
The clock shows 9.27.53
